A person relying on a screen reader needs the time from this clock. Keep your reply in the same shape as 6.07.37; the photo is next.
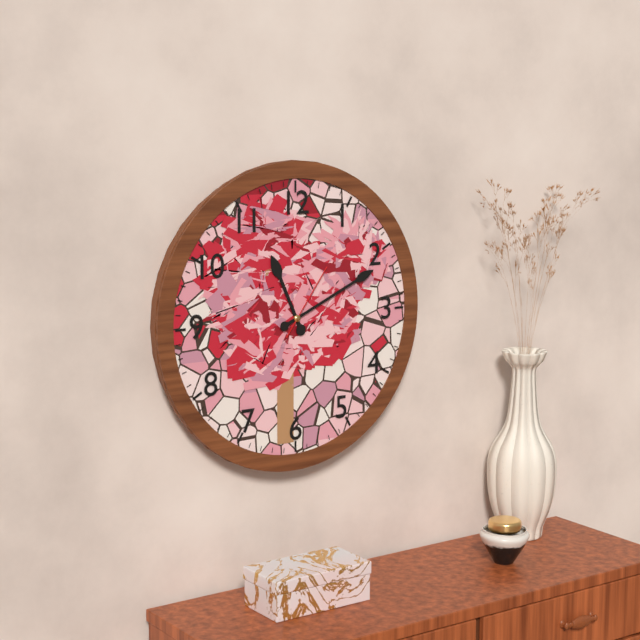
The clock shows 11.11.06
